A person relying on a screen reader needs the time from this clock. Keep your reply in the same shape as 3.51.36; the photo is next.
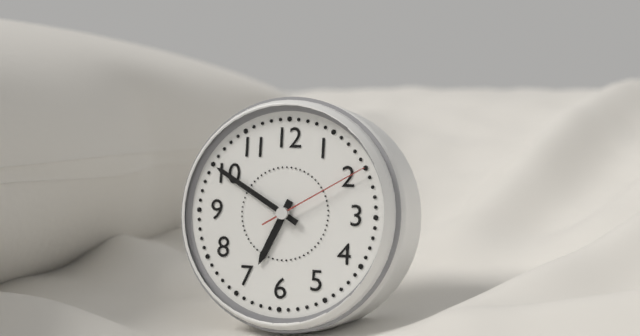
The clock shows 6.50.10
